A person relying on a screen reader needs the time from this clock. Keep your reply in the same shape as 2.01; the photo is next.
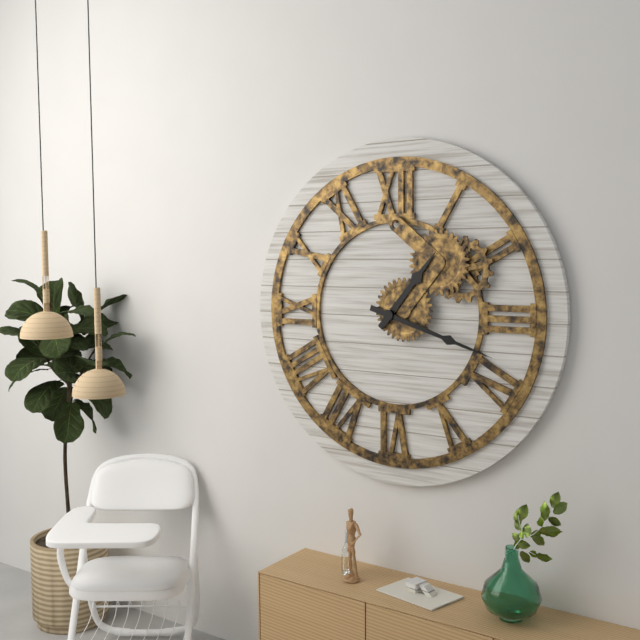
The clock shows 1.18
